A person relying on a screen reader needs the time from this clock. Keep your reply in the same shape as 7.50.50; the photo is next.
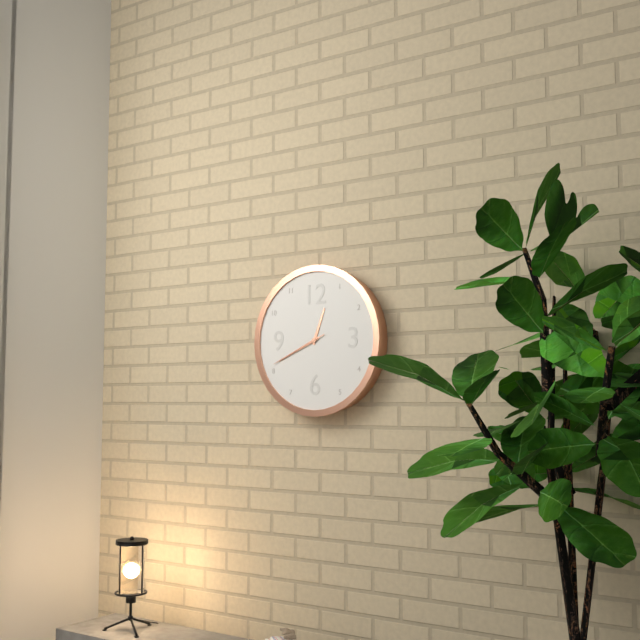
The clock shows 12.41.41
